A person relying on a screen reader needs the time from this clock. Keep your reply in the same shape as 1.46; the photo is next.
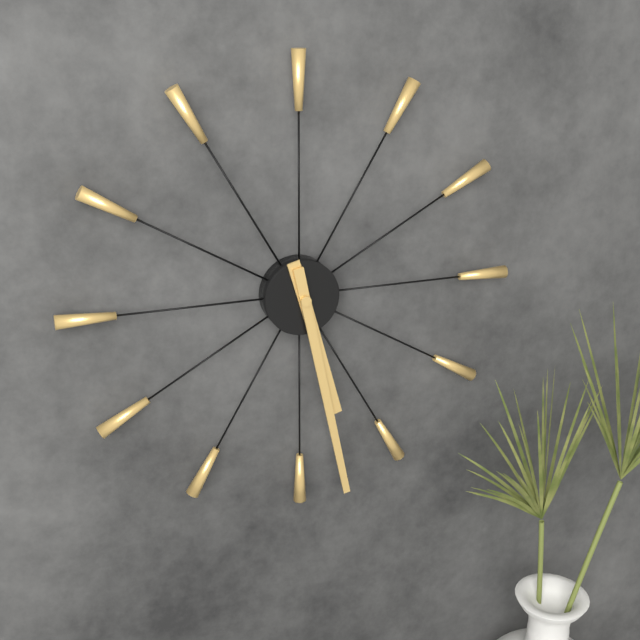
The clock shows 5.28
